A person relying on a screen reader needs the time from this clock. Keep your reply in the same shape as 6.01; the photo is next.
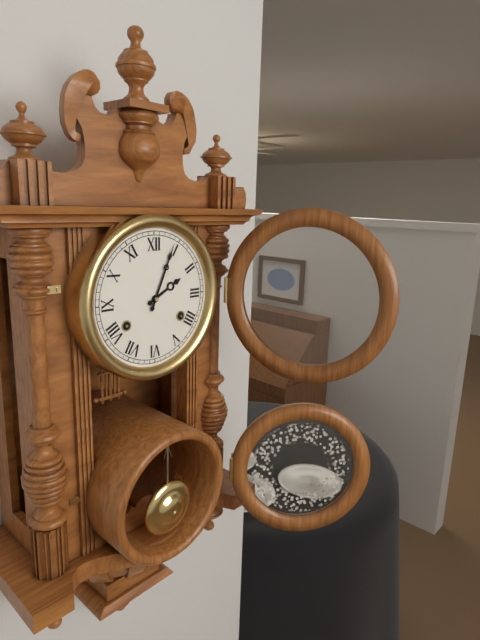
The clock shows 2.04
